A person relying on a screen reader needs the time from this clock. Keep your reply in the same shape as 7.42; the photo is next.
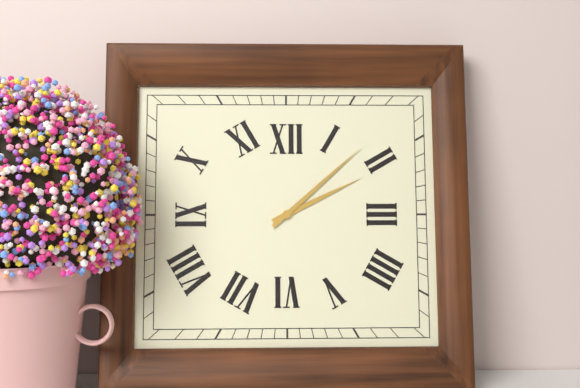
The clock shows 2.08
